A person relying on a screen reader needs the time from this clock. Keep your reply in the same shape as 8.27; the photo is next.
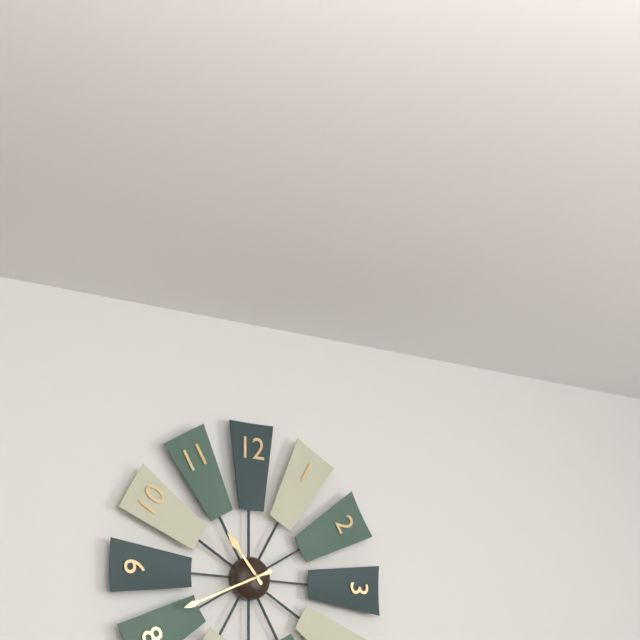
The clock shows 10.41
